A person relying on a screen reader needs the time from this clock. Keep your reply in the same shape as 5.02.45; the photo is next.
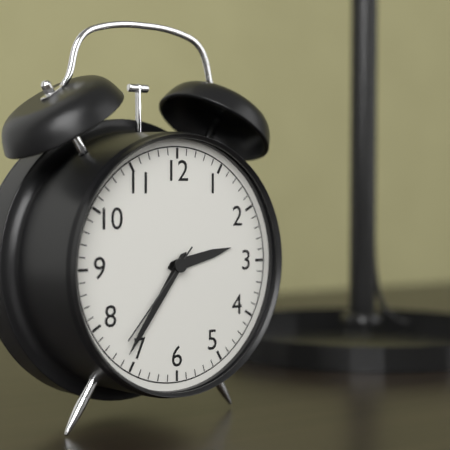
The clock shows 2.36.37
